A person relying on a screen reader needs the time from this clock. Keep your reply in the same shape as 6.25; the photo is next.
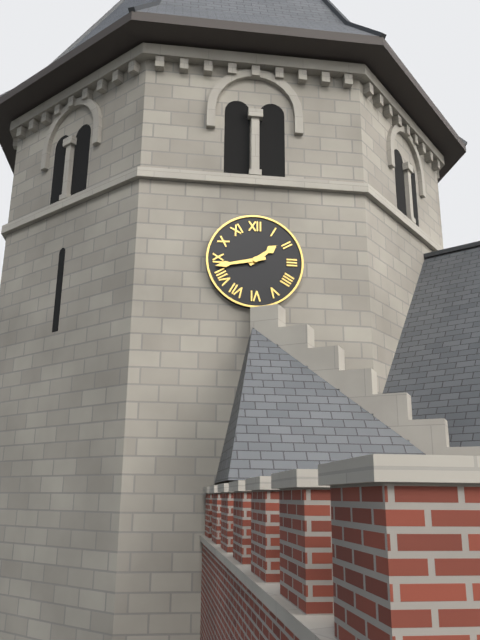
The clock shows 1.43
